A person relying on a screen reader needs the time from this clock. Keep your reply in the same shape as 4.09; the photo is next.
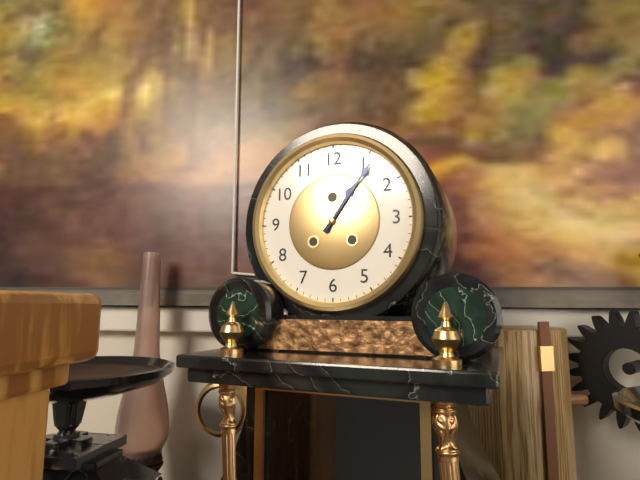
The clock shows 1.06
